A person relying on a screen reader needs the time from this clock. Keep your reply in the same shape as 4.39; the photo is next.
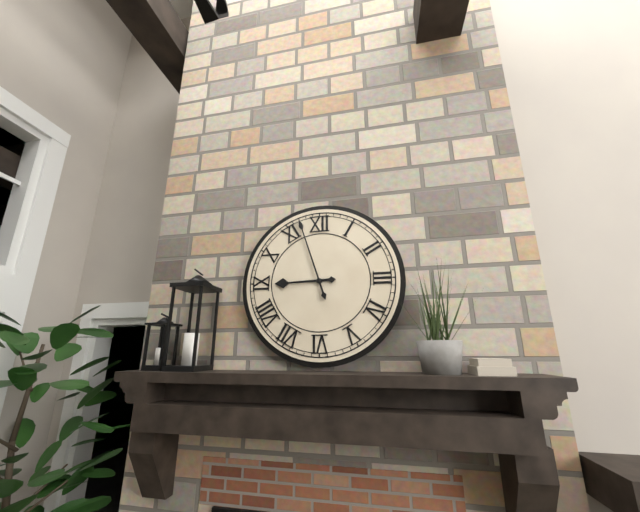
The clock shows 8.57
